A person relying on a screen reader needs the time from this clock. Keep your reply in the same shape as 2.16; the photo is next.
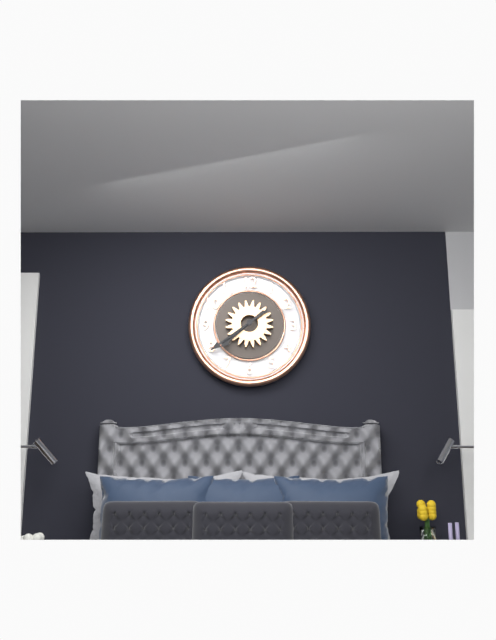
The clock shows 7.39
